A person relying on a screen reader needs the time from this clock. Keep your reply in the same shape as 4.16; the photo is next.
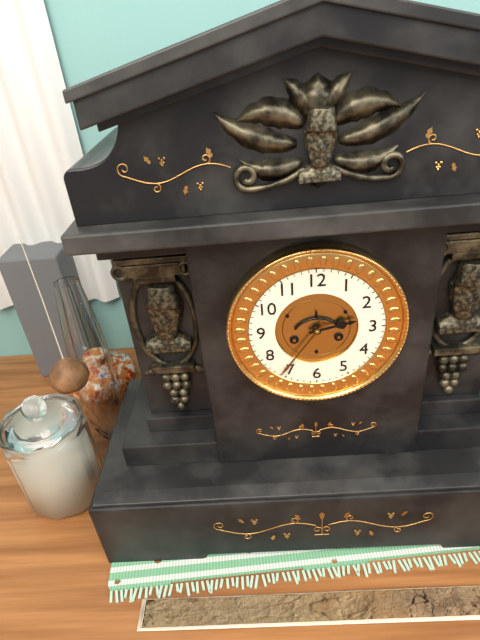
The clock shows 2.36
